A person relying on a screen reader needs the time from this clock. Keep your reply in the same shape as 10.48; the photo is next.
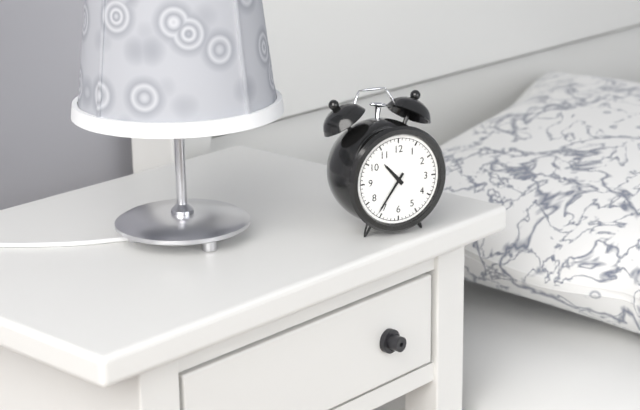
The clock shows 10.36
